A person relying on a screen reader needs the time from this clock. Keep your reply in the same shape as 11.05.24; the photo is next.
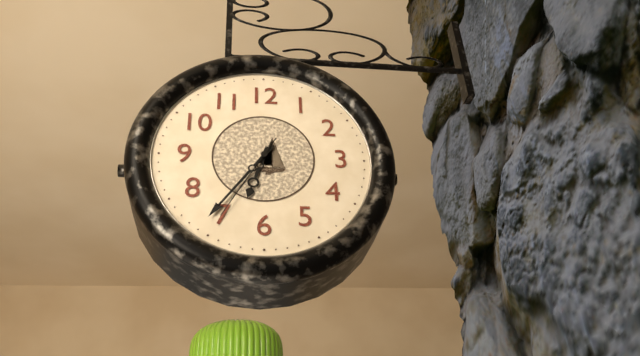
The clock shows 6.36.35
